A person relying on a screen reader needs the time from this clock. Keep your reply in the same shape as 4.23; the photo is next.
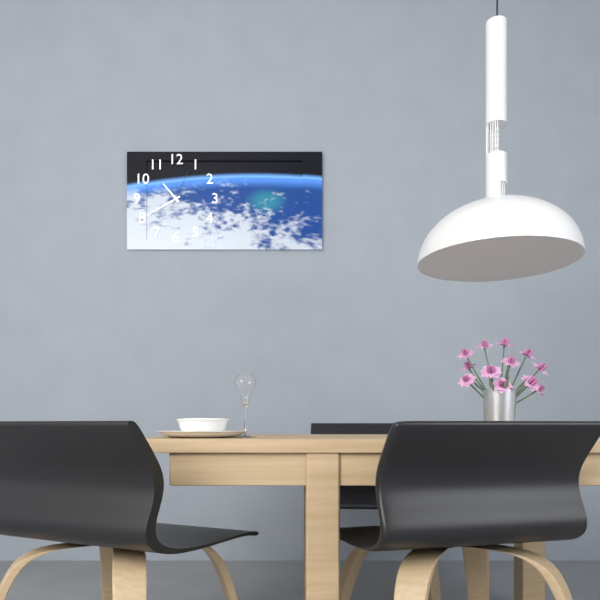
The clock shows 10.40
